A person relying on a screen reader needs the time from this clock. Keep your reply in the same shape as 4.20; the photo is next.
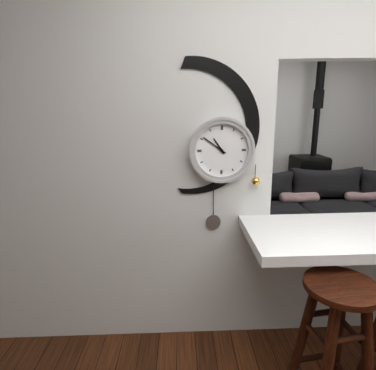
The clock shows 10.51
